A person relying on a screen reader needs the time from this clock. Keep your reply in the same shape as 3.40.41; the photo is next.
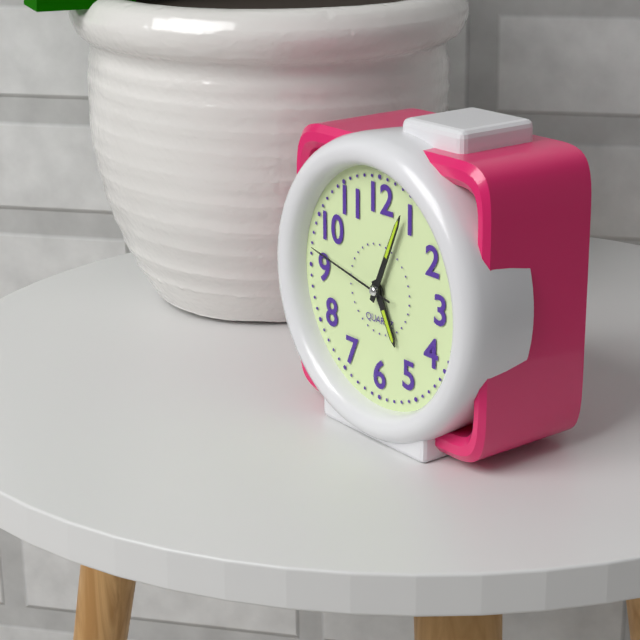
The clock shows 5.04.47
